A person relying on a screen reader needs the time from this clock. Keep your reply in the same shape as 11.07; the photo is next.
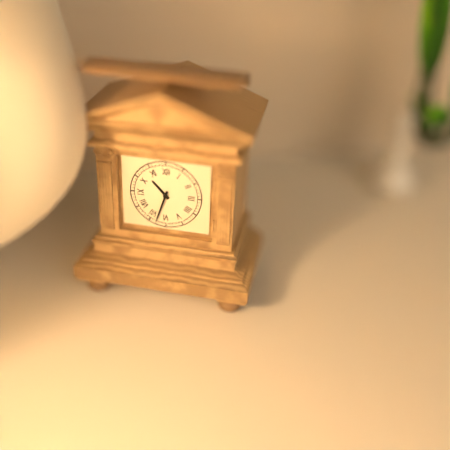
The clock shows 10.33
